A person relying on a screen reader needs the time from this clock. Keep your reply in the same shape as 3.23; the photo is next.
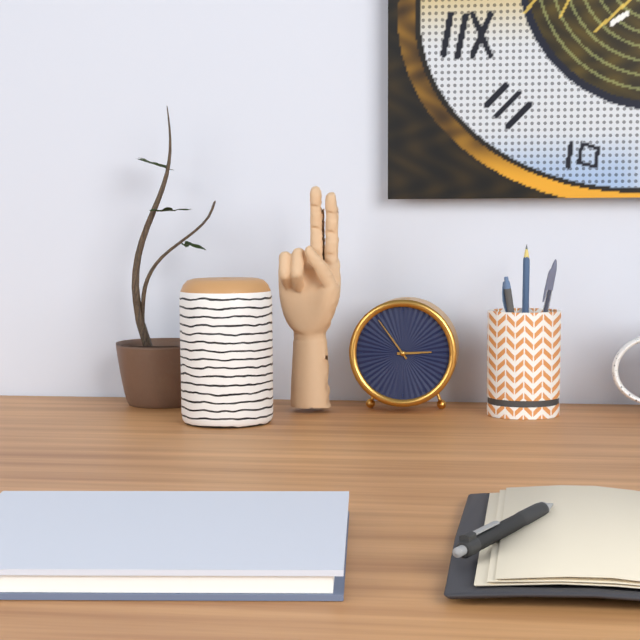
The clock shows 2.54
